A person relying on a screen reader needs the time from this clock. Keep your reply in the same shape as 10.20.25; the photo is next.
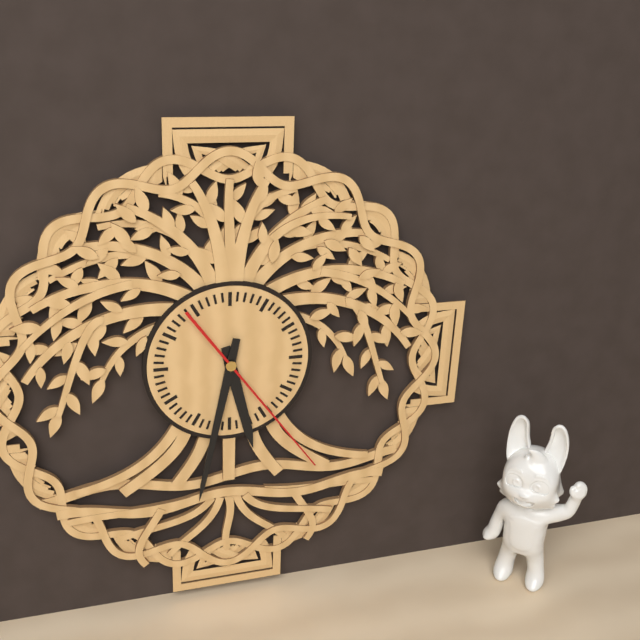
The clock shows 5.32.24
